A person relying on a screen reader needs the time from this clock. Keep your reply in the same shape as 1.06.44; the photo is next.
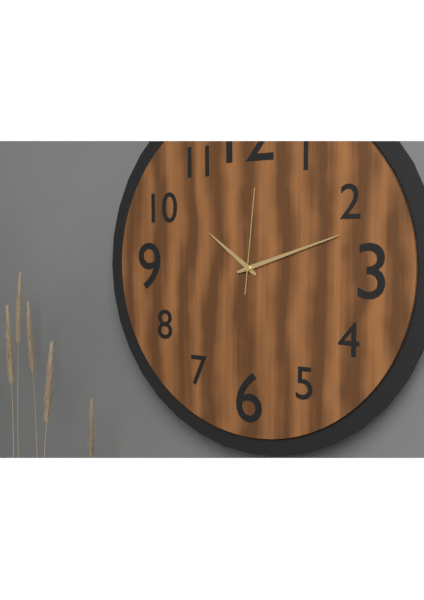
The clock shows 10.12.01
